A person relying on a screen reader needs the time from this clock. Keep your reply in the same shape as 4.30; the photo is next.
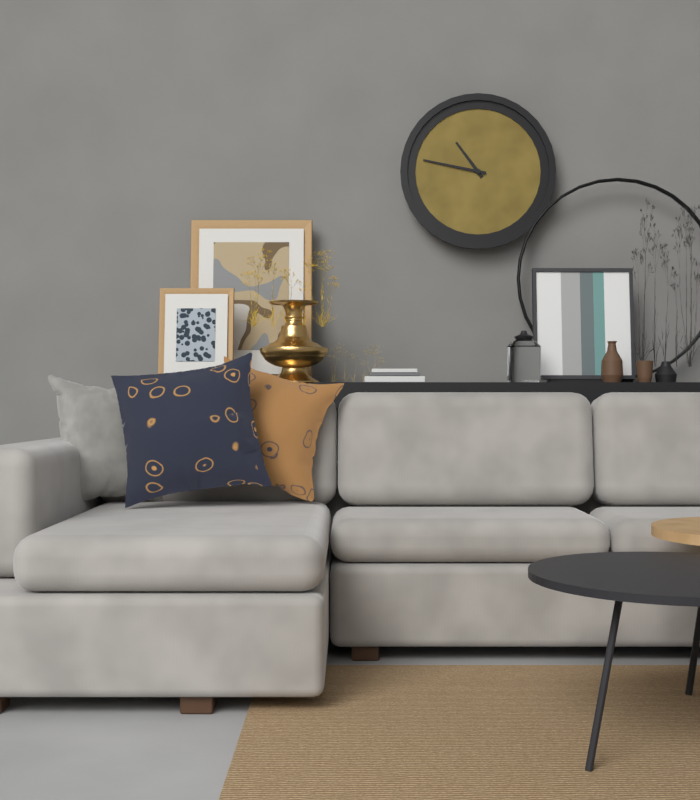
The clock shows 10.47
